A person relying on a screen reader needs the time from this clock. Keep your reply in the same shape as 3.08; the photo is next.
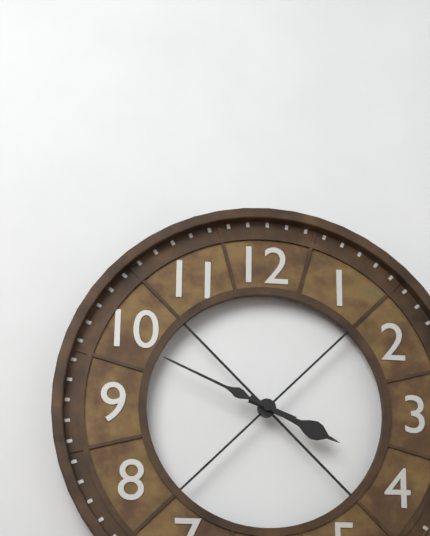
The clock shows 3.49
